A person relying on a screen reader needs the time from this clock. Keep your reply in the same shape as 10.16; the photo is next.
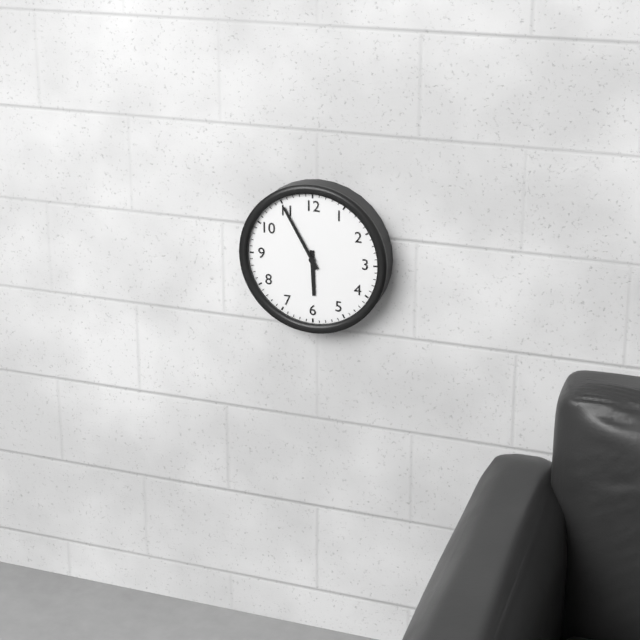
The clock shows 5.55
